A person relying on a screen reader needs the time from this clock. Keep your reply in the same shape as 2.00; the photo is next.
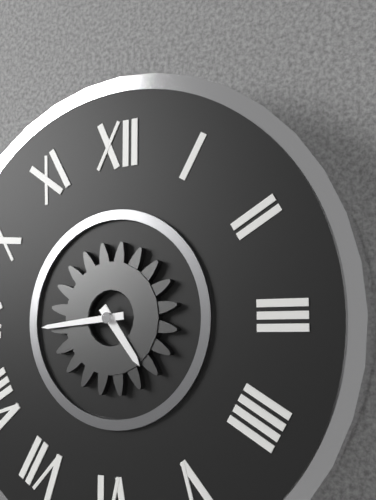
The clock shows 4.44
